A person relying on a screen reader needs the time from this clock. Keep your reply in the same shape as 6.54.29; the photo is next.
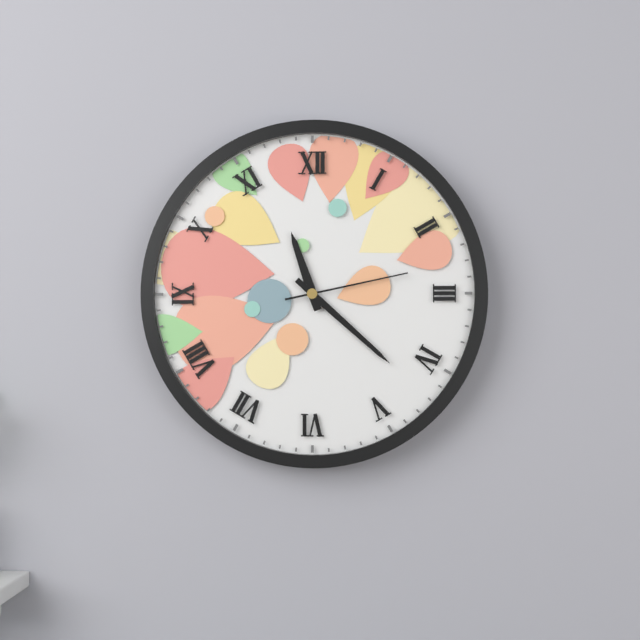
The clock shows 11.22.13
